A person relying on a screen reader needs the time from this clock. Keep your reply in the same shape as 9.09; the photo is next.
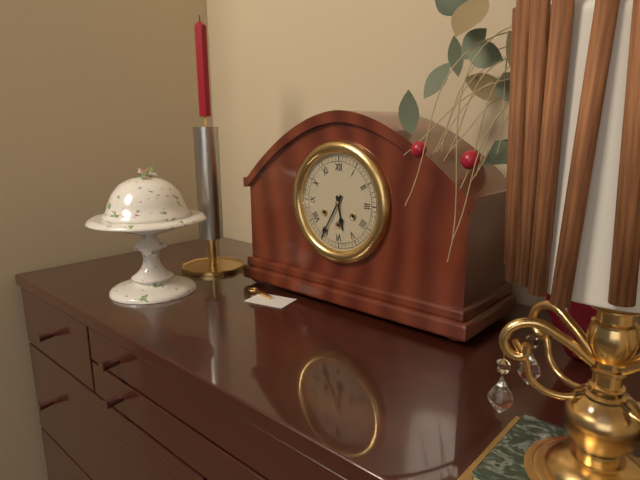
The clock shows 5.35
